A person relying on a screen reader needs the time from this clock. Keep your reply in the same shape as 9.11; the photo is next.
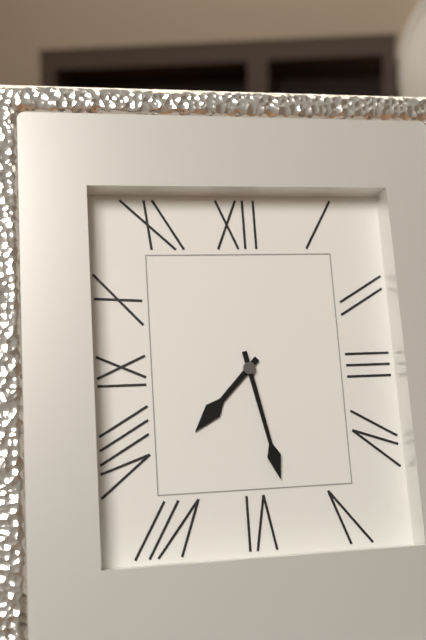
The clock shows 7.28
